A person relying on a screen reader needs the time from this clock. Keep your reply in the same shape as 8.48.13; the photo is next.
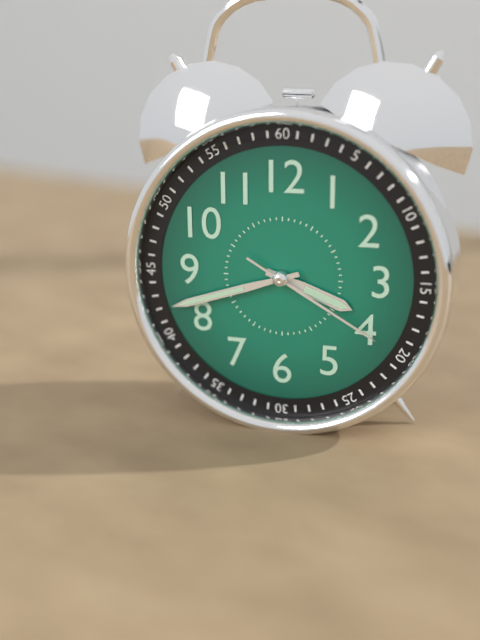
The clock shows 3.42.20
